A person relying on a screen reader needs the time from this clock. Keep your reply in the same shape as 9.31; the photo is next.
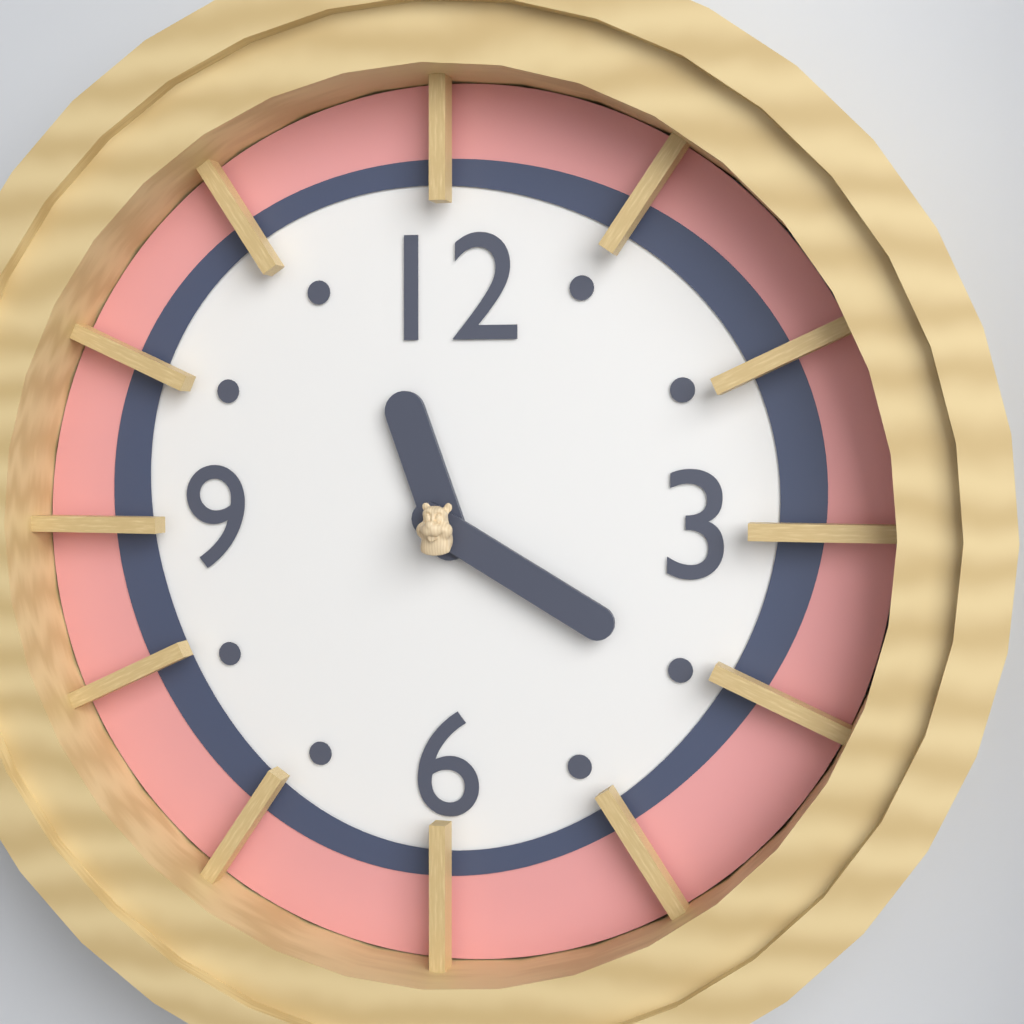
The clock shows 11.20
